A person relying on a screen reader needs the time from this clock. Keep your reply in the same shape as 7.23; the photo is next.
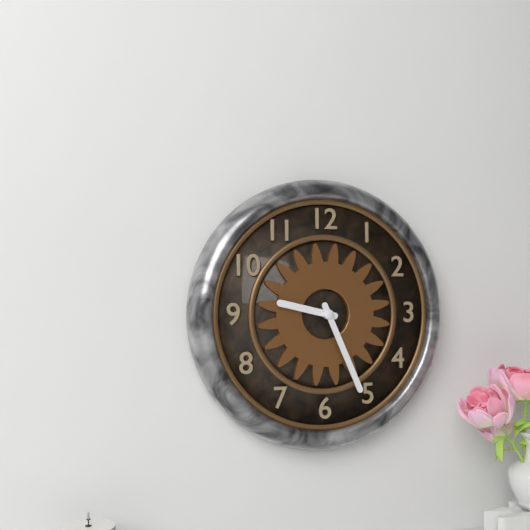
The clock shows 9.26
